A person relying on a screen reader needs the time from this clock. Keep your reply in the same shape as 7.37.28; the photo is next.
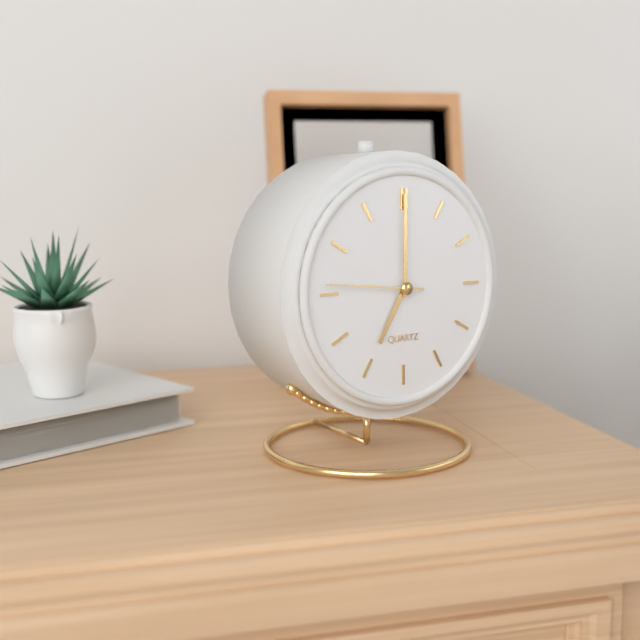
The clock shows 7.00.46
